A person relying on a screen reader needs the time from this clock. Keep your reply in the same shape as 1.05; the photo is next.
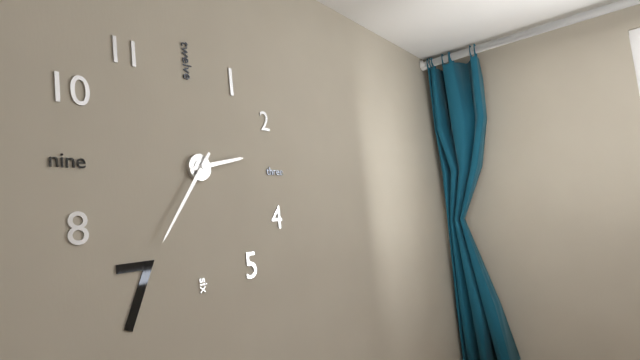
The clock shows 2.36
